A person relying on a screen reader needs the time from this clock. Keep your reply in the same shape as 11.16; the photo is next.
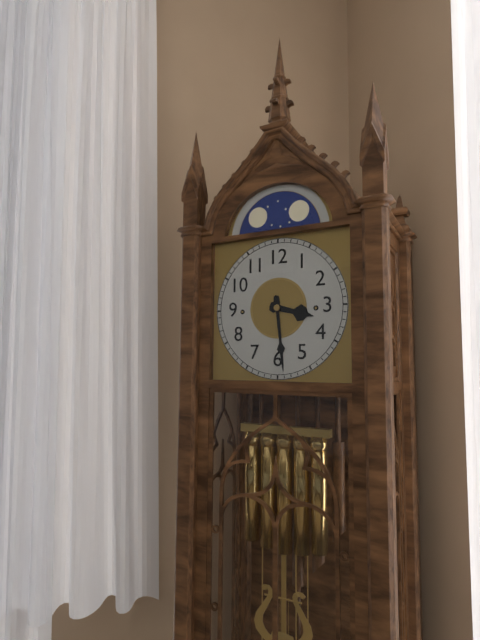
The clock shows 3.29
